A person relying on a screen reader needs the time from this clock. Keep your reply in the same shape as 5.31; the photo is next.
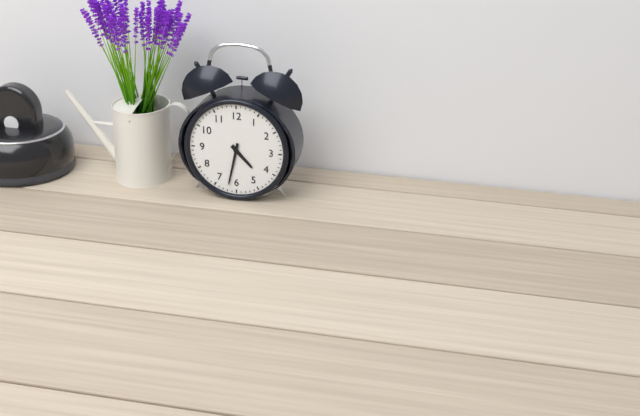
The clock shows 4.32
